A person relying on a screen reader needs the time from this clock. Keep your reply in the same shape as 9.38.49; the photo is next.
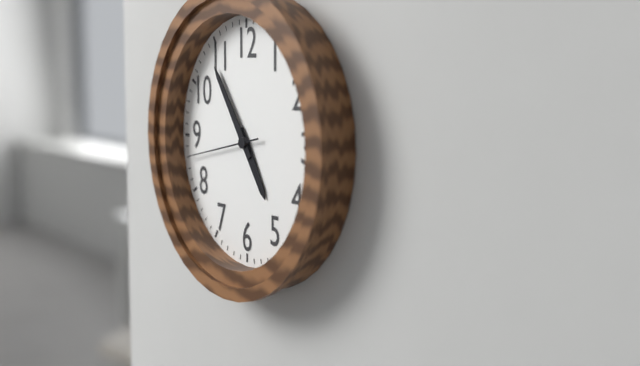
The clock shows 4.54.43
